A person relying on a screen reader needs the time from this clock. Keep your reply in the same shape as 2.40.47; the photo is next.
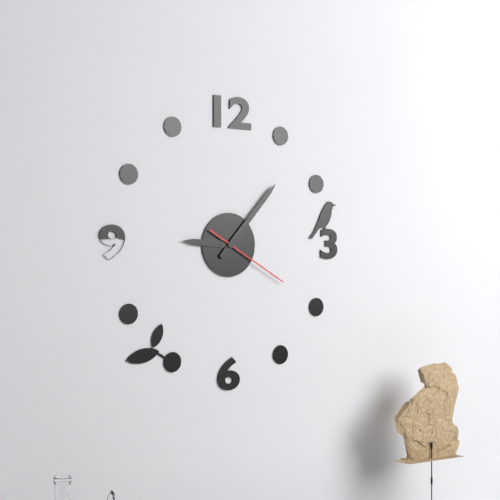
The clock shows 9.07.20
